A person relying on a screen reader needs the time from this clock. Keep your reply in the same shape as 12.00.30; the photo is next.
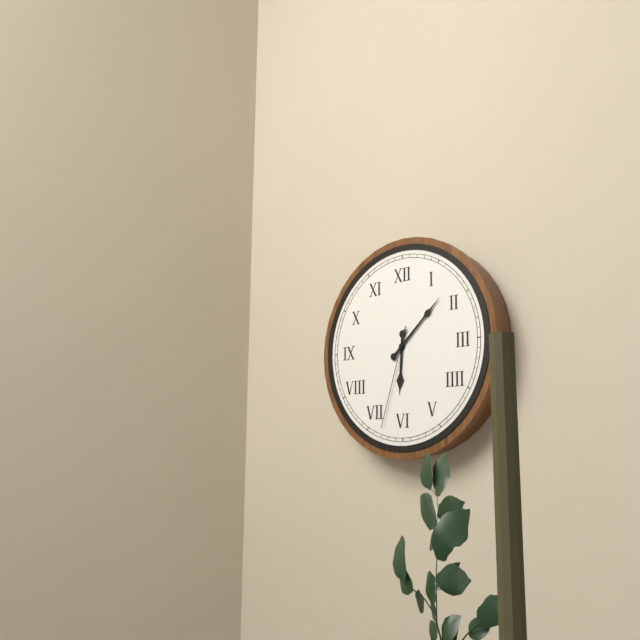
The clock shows 6.08.33
